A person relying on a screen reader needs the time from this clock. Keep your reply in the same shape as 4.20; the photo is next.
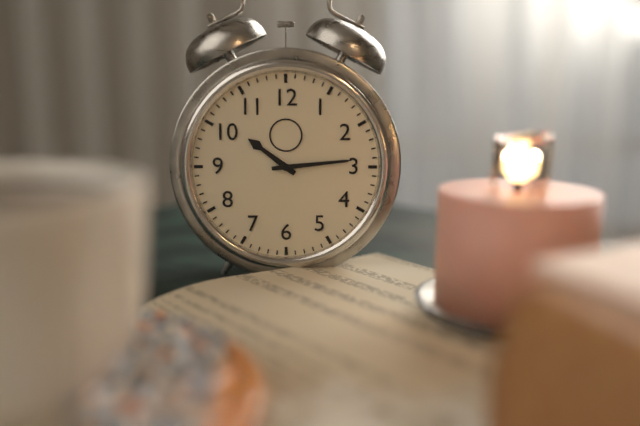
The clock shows 10.14
